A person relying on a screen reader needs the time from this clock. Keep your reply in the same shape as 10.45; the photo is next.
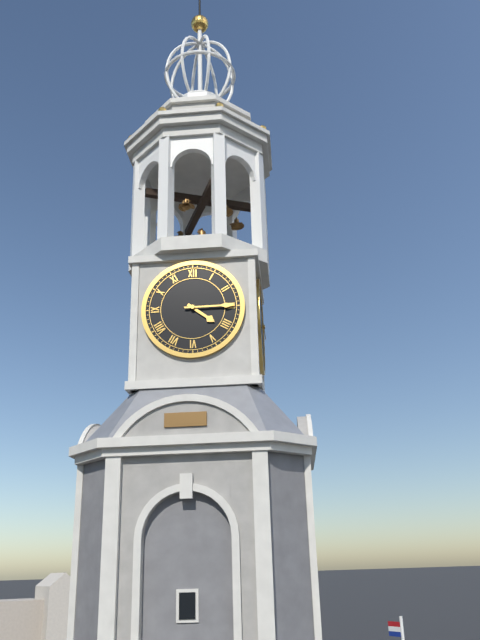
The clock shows 4.15
